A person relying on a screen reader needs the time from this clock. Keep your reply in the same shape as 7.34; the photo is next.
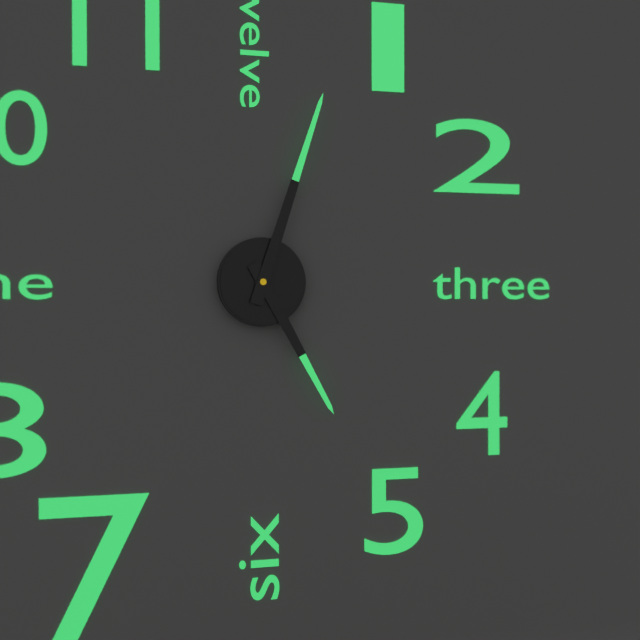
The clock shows 5.03
